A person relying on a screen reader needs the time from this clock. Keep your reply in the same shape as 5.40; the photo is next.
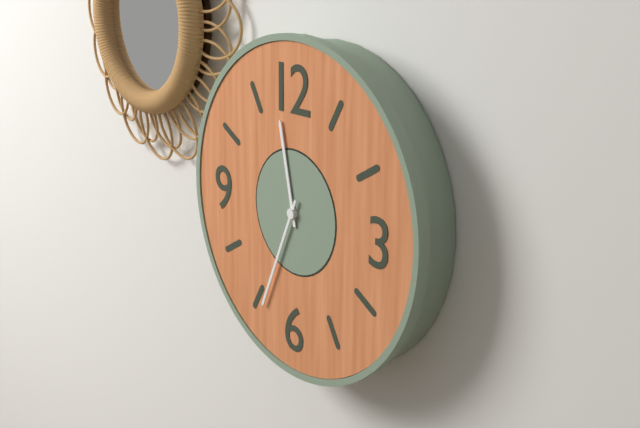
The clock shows 11.34
